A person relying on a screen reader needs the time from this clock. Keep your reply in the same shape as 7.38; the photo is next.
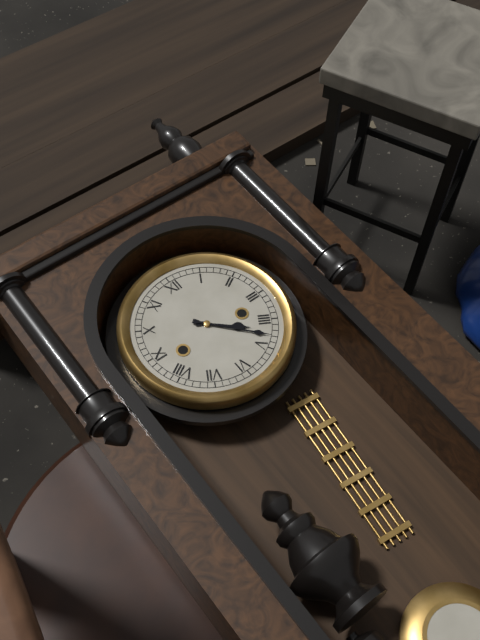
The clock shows 4.23
